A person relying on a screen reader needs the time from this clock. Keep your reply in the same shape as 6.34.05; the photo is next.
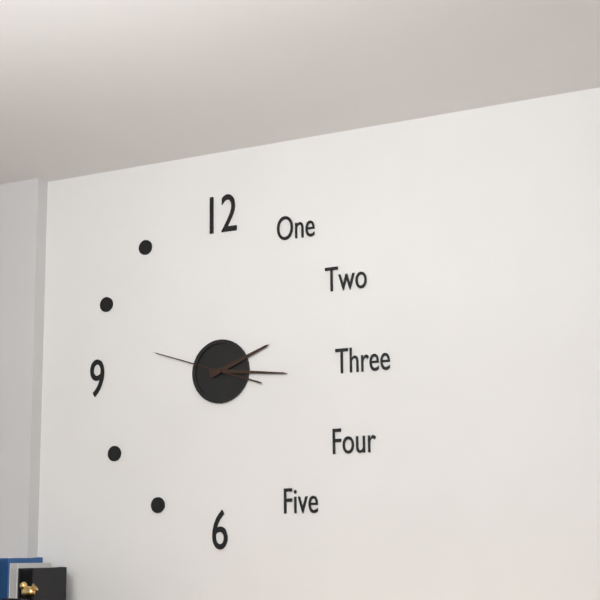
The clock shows 2.16.48
